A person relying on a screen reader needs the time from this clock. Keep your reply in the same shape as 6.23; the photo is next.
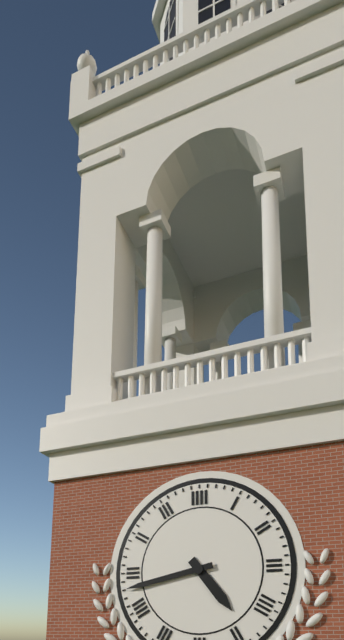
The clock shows 4.43
